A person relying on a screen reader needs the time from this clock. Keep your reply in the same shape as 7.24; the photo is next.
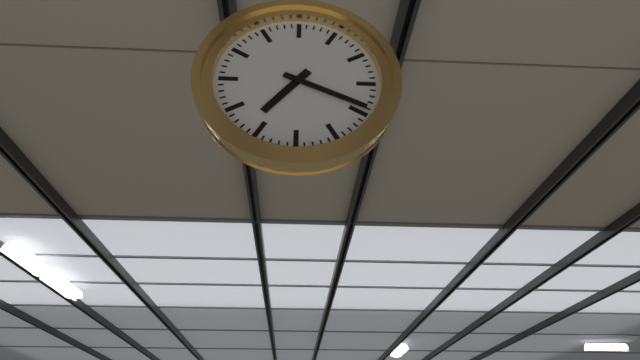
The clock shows 7.19
